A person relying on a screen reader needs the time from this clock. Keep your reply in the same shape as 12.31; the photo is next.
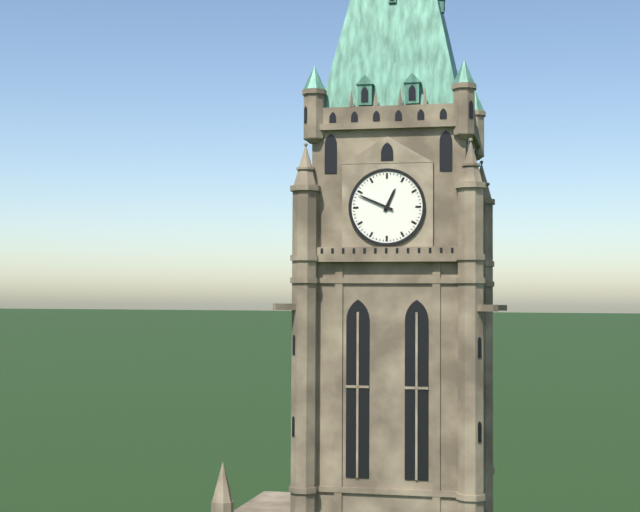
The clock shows 12.49
